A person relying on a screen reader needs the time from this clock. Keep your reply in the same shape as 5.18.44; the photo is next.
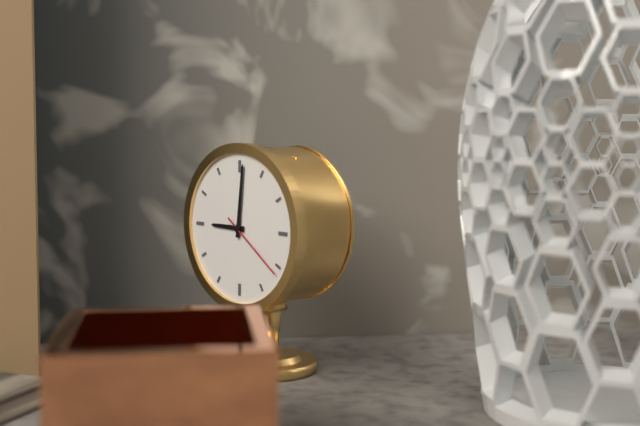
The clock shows 9.01.21
